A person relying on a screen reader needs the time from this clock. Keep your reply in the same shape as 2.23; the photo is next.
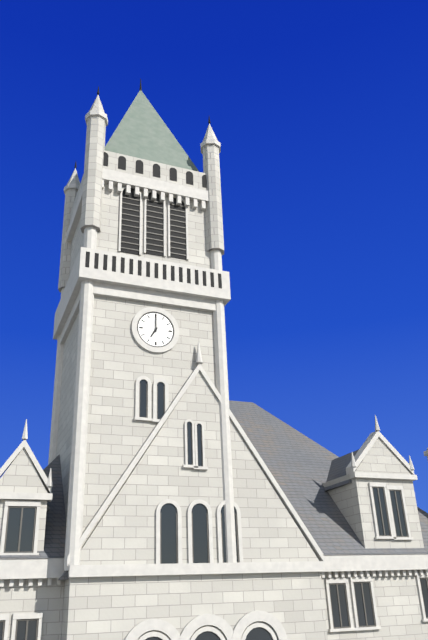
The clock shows 7.00
